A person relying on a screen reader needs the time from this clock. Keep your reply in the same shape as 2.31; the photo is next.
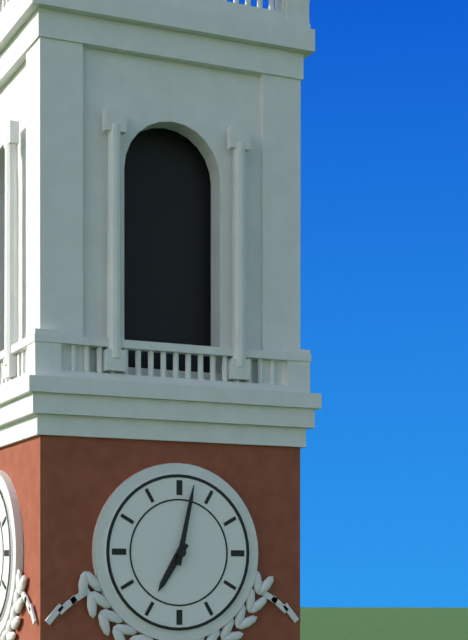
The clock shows 7.02
